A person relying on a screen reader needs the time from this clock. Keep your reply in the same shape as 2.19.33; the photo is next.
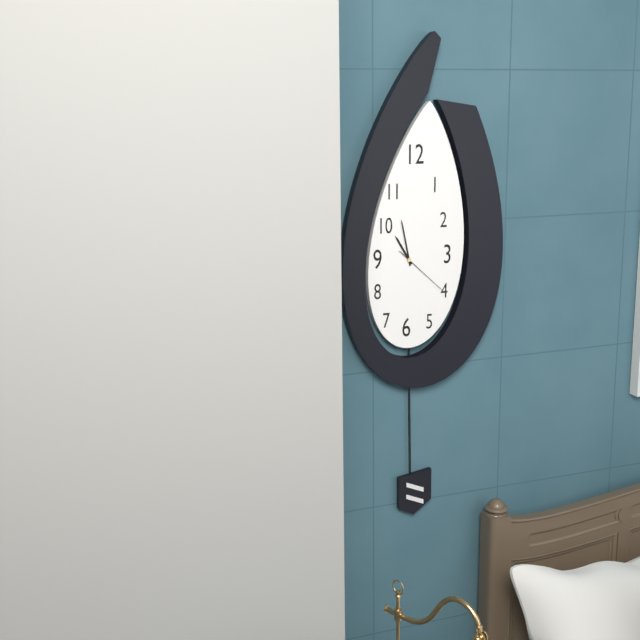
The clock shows 10.58.22
